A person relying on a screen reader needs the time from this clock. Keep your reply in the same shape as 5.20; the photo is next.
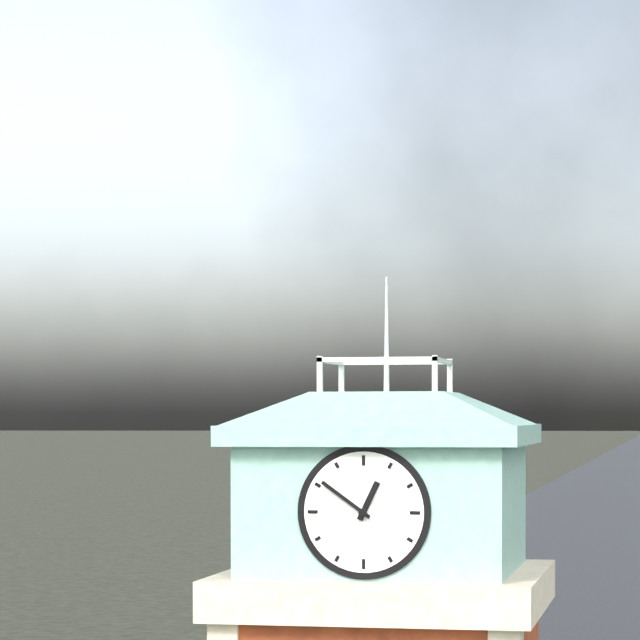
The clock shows 12.51
